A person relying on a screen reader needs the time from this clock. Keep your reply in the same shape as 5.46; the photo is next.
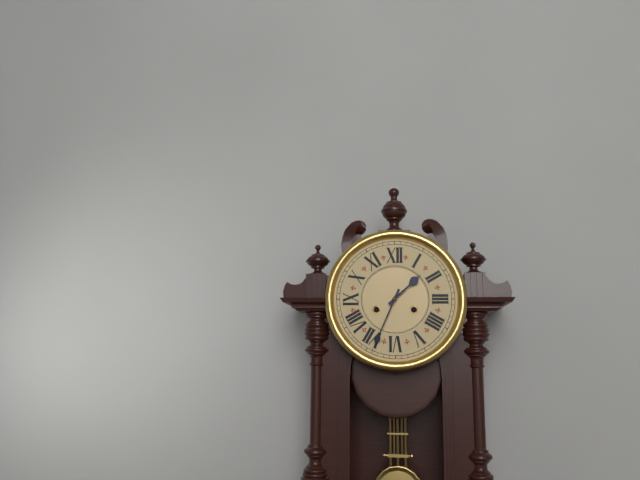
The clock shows 1.34
